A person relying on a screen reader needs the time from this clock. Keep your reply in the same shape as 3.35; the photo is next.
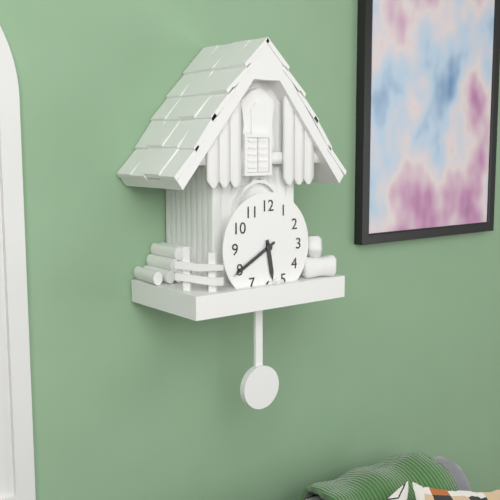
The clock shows 5.40
